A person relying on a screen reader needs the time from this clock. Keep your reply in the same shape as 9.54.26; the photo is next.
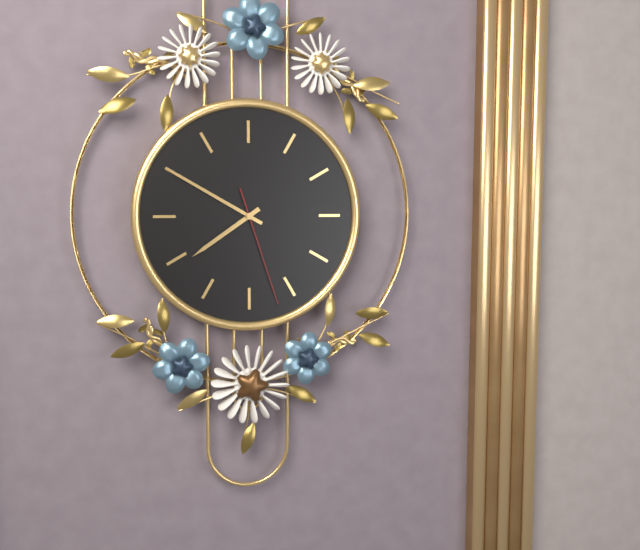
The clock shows 7.50.27
